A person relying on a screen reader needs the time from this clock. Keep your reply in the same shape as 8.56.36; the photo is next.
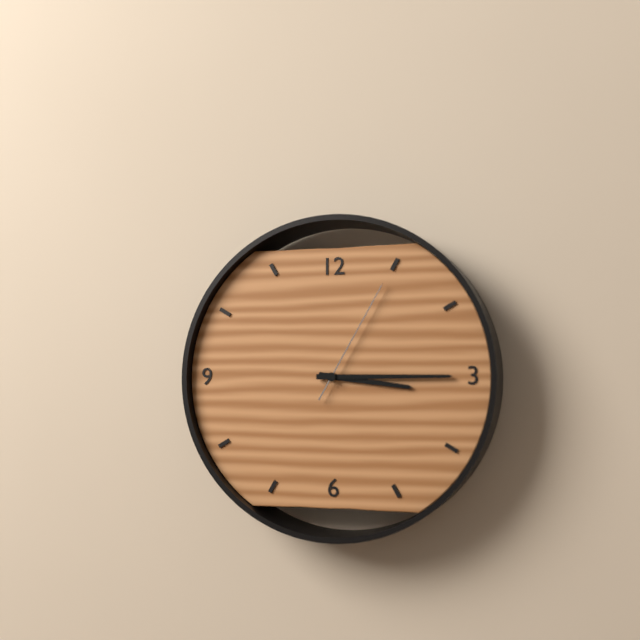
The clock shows 3.15.05
